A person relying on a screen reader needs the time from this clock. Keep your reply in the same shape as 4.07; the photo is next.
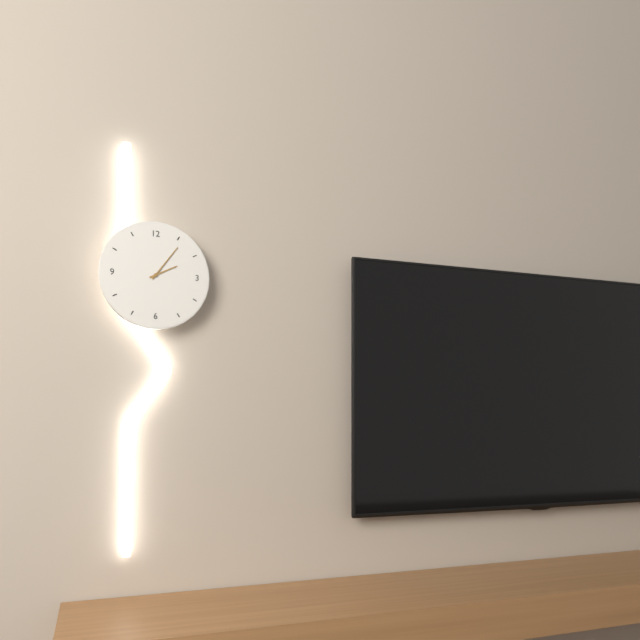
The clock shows 2.06
